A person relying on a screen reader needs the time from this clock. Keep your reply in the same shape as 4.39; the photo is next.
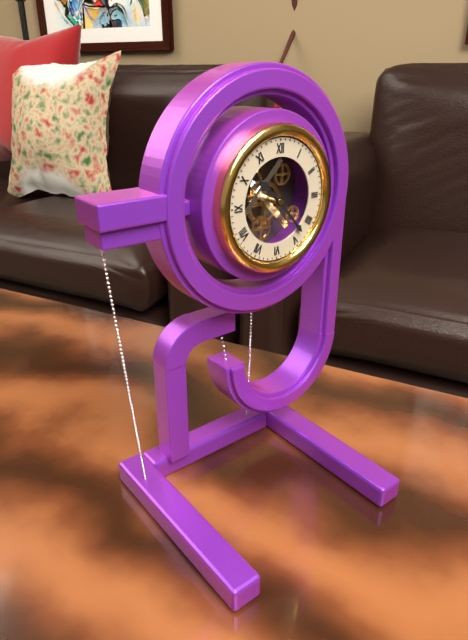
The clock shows 10.23
